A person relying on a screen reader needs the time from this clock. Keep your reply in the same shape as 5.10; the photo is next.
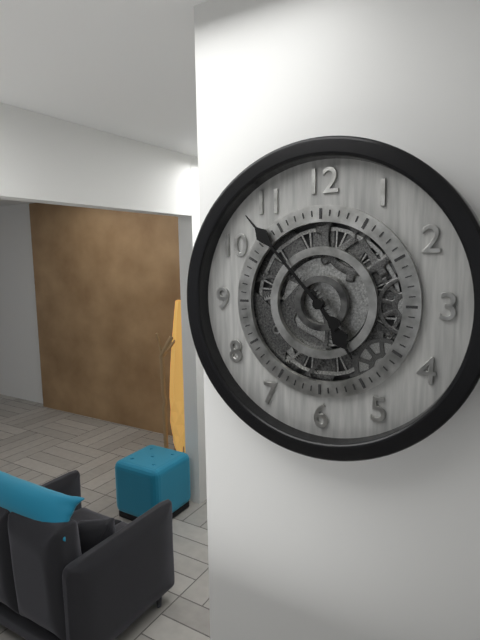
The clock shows 4.53
